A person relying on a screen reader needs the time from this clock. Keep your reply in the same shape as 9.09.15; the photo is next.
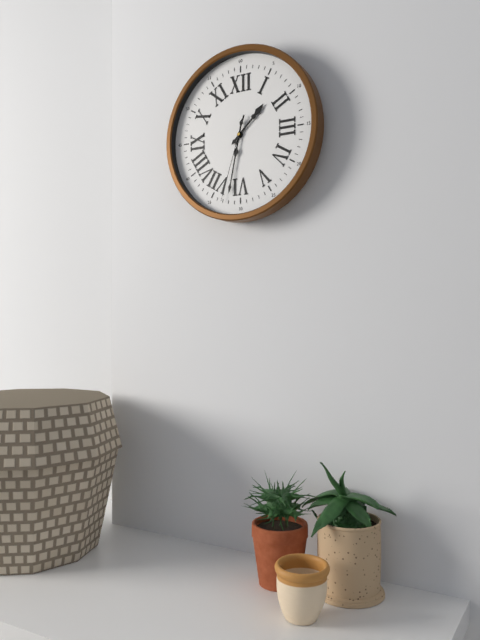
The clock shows 1.32.33
